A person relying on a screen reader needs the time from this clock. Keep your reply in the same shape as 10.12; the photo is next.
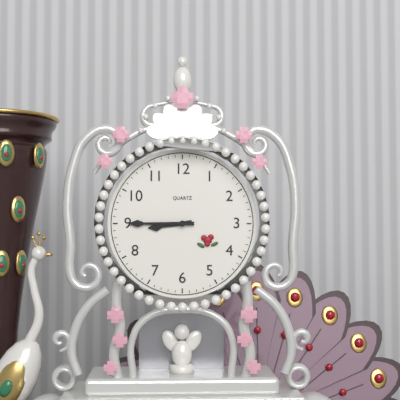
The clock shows 8.45
